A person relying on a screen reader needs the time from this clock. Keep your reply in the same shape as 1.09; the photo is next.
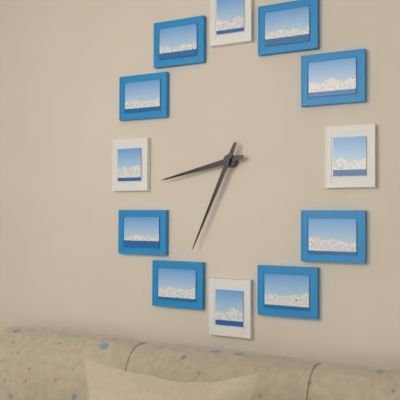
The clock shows 8.34
